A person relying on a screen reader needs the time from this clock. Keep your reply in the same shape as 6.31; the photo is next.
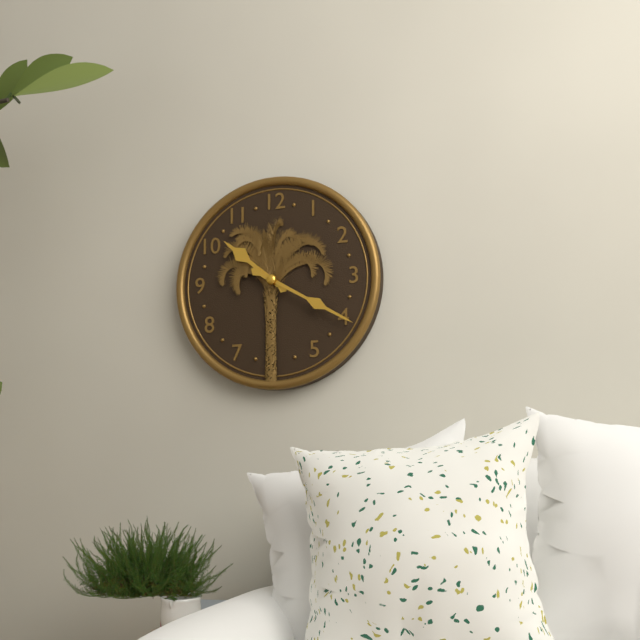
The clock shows 10.20
